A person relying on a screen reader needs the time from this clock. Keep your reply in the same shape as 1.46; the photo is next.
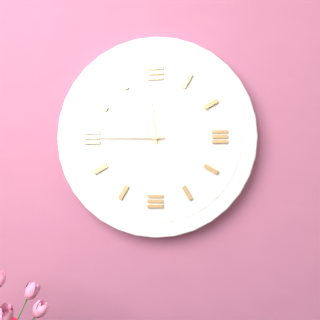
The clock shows 11.45
